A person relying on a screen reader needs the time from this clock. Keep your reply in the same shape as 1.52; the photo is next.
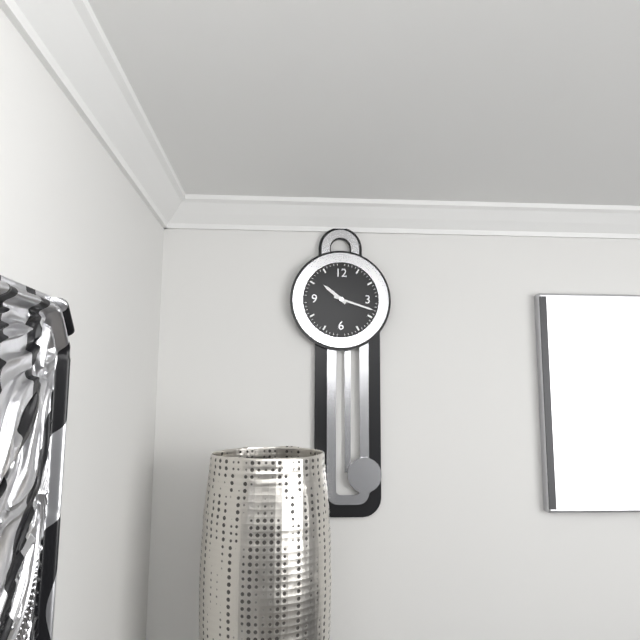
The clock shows 10.18
